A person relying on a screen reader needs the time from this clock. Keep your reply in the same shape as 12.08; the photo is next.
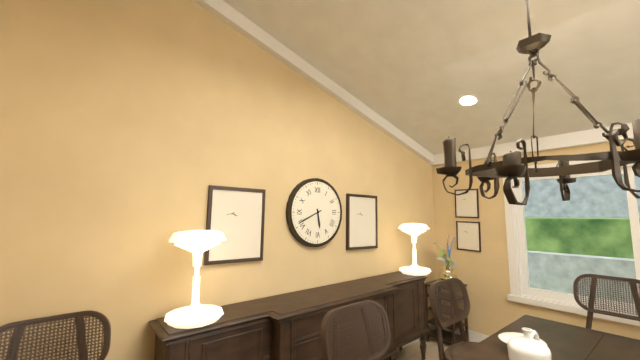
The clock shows 5.41
